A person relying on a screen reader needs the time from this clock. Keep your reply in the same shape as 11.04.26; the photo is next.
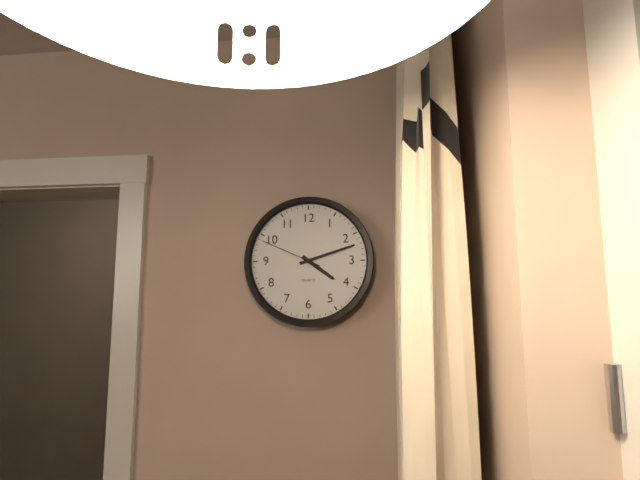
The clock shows 4.12.49
